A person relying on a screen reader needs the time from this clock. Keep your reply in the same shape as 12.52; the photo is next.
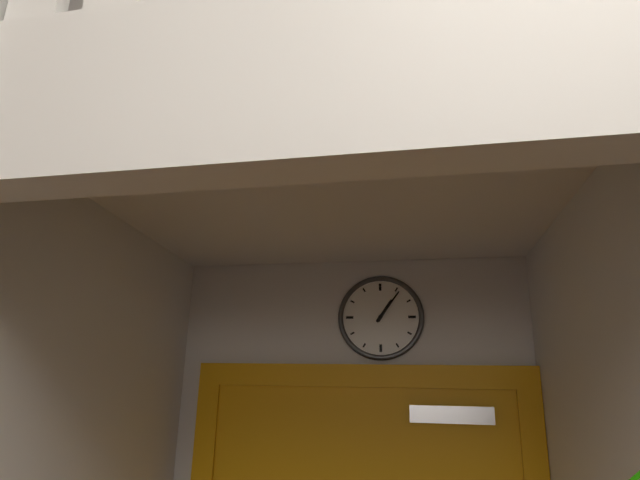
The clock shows 1.06
